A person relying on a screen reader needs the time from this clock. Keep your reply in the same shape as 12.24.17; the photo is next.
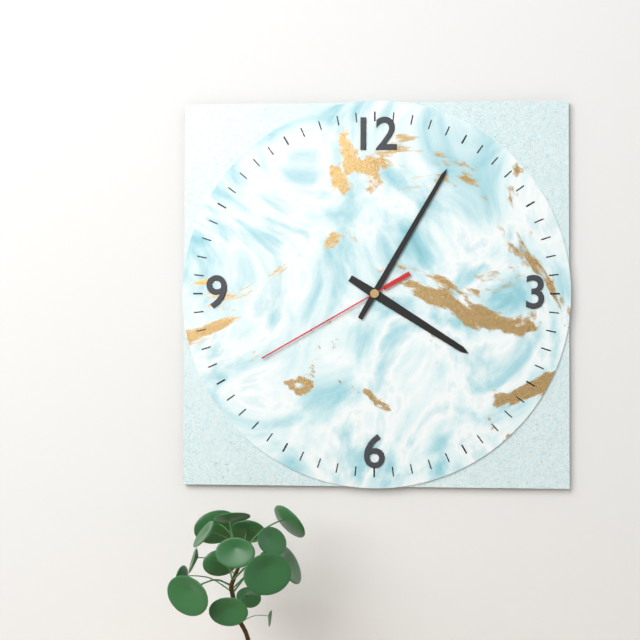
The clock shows 4.05.40
